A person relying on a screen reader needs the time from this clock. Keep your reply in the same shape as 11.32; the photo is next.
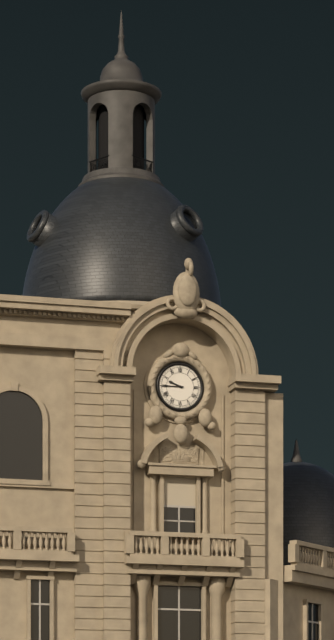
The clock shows 9.45
